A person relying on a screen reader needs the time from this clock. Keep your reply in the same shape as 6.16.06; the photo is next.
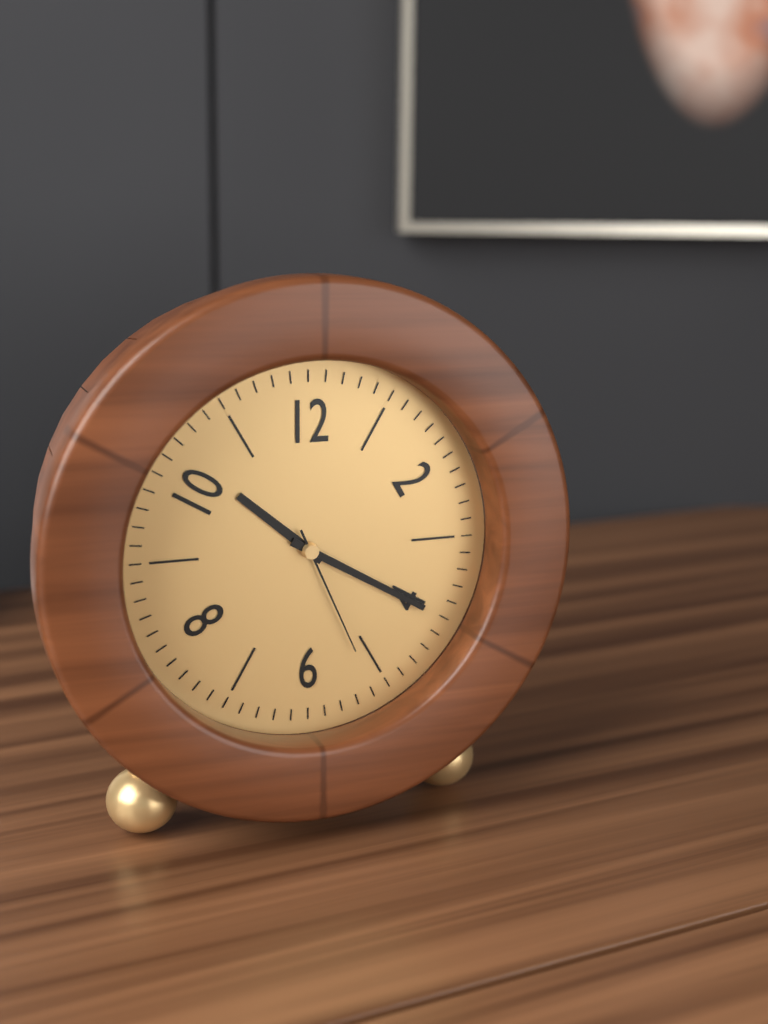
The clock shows 10.20.26
